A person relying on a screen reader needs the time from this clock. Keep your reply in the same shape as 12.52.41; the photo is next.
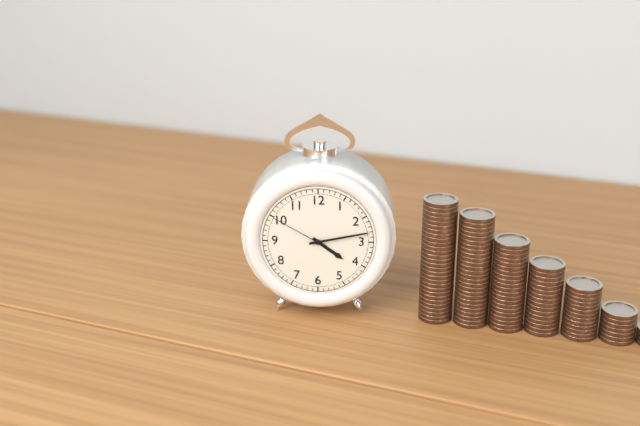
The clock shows 4.13.50
